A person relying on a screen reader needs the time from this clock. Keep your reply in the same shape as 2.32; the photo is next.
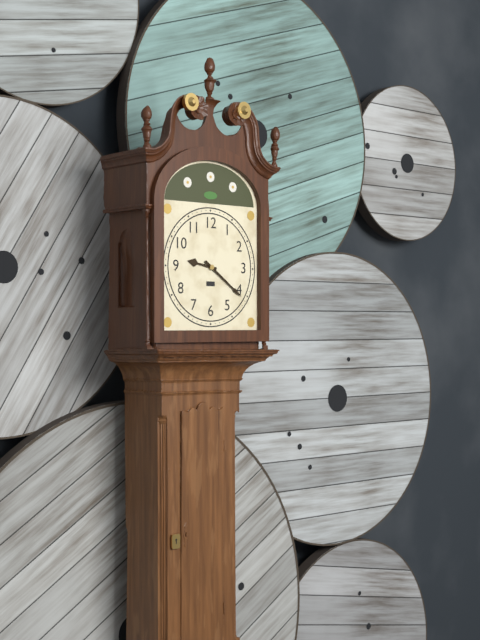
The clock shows 9.21
